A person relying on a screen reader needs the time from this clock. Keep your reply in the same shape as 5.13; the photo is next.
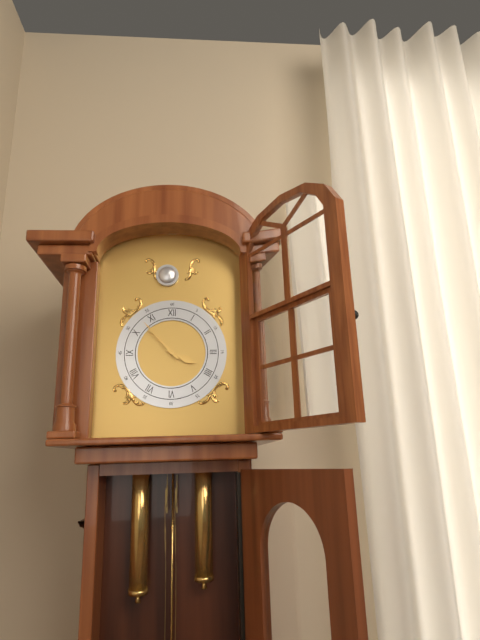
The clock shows 3.53
